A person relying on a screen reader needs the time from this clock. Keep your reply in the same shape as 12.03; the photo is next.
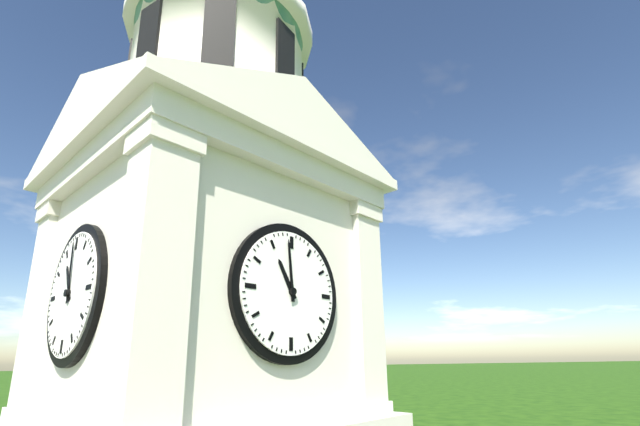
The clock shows 10.59
